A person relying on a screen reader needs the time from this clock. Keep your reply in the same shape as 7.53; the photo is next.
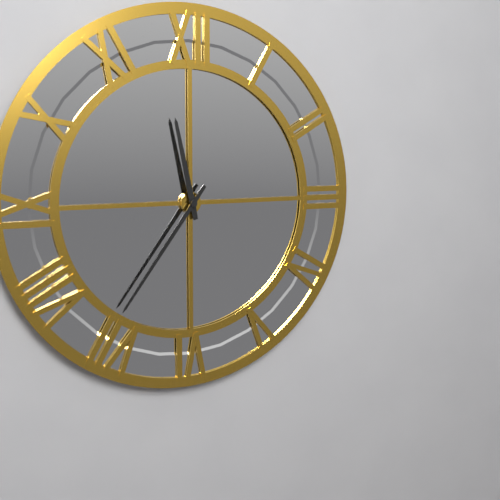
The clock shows 11.36
